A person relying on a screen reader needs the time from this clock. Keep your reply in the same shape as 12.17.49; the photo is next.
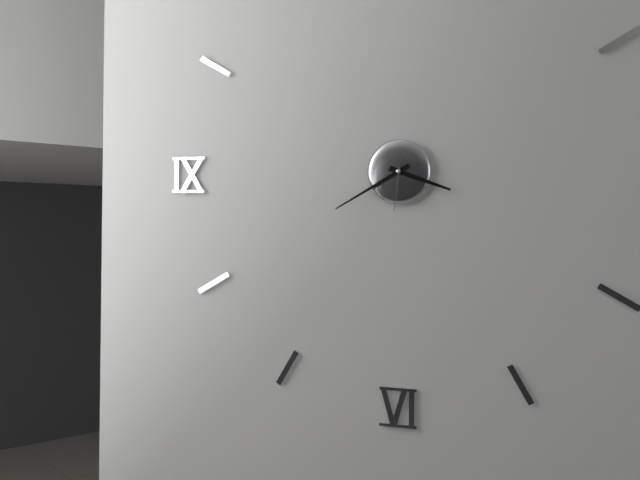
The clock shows 3.40.31
